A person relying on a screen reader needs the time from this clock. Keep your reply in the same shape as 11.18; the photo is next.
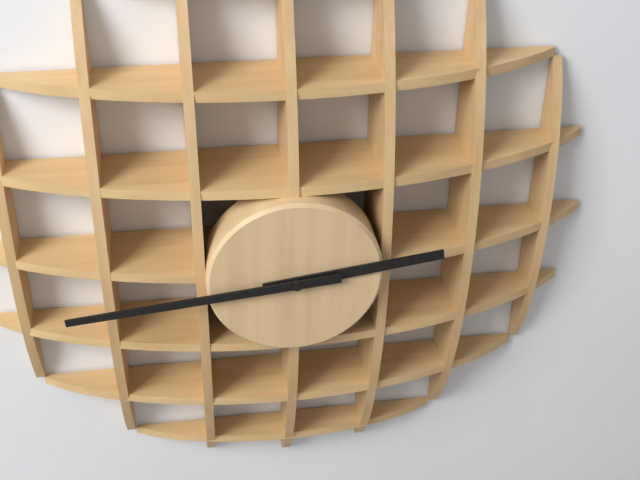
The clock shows 2.44
